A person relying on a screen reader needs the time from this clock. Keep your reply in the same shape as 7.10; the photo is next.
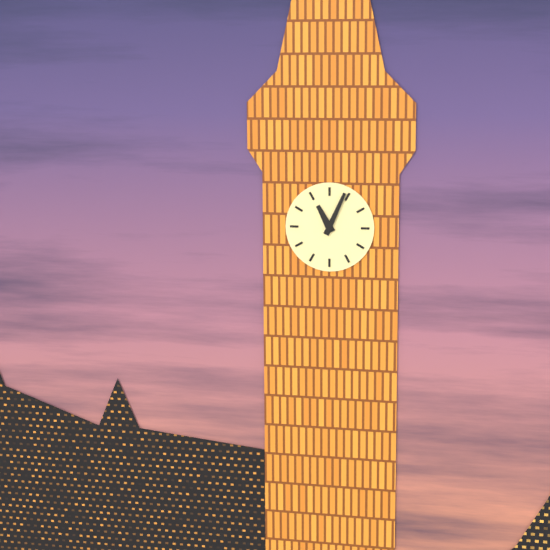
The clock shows 11.04
